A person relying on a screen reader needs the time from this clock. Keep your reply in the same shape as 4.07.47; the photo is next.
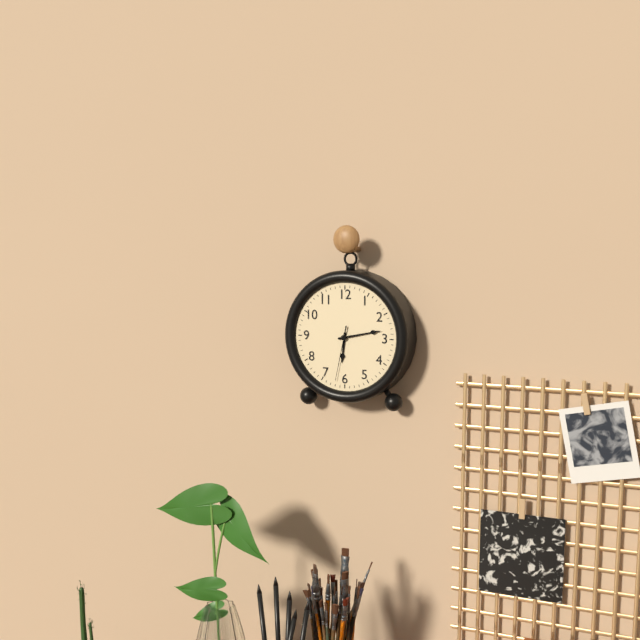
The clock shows 6.13.32
